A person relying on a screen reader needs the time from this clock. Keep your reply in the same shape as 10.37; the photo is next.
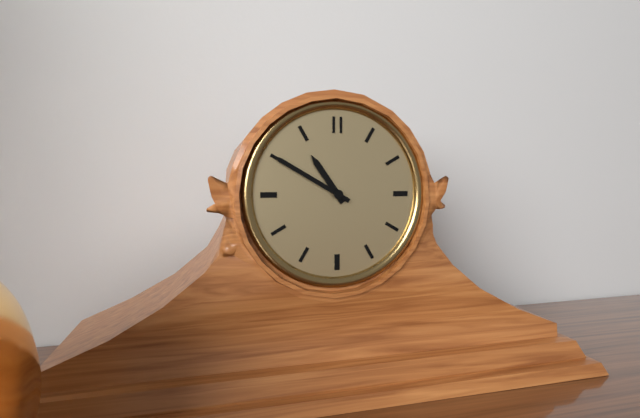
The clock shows 10.50
